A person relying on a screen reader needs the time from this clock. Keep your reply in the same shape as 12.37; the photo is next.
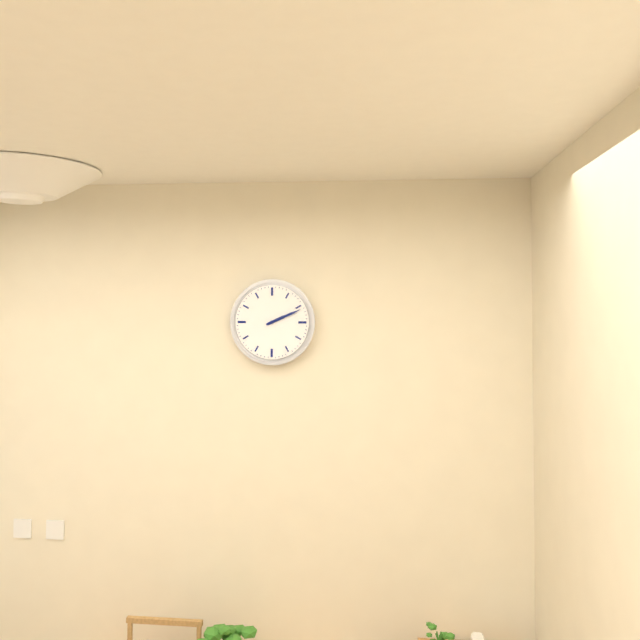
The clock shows 2.11
